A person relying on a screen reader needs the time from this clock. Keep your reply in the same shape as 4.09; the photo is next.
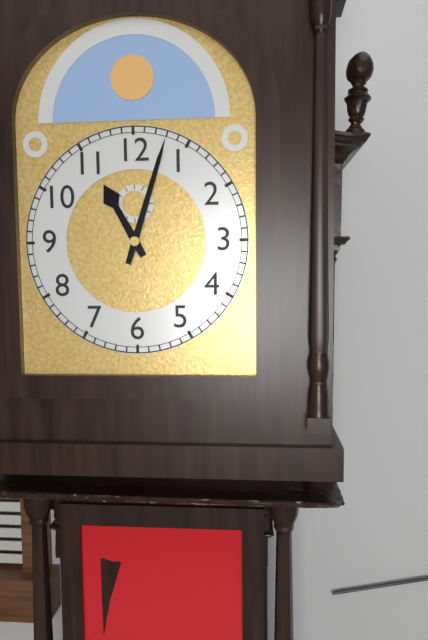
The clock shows 11.03
